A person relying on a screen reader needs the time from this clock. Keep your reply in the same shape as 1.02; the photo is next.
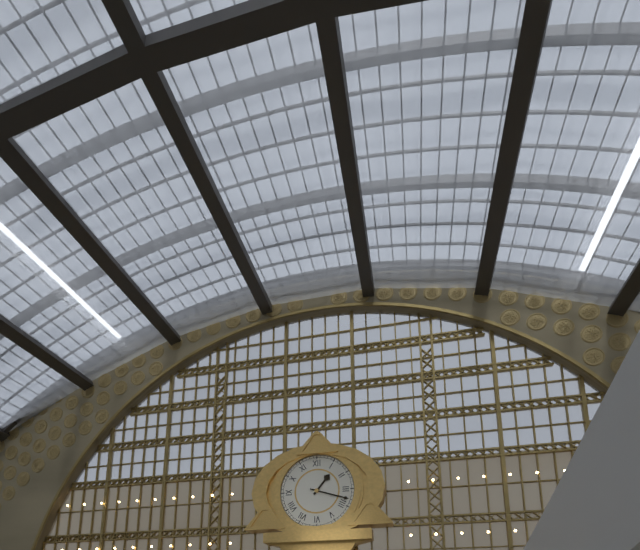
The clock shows 1.18
